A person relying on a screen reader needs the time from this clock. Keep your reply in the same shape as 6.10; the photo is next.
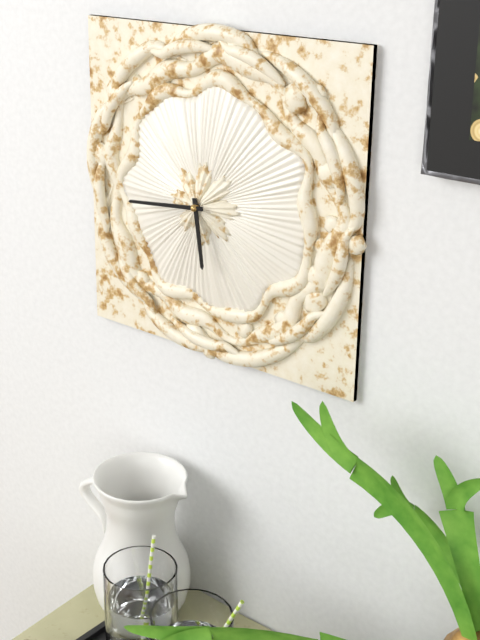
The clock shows 5.44
